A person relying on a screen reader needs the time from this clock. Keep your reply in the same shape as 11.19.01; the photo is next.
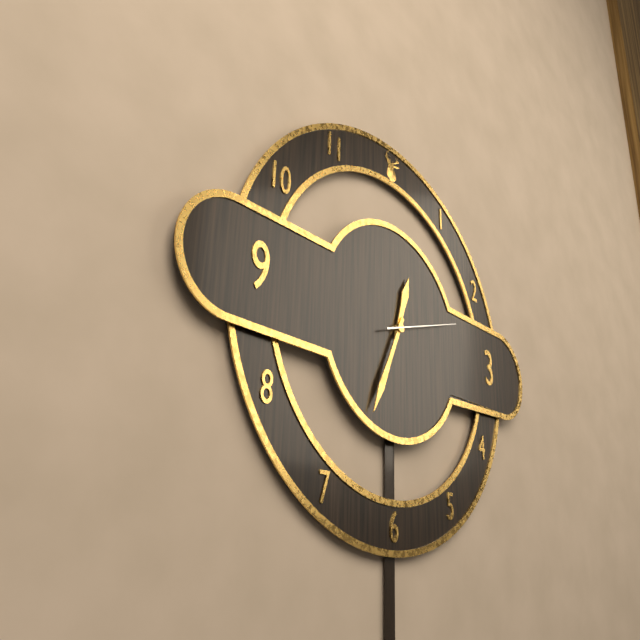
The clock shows 12.34.12
